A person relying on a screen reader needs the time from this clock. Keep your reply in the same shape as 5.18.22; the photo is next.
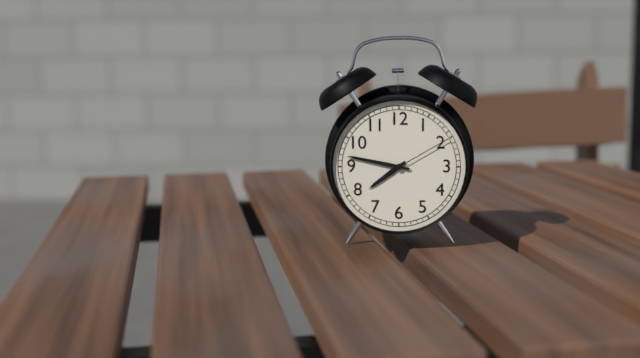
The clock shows 7.47.10
